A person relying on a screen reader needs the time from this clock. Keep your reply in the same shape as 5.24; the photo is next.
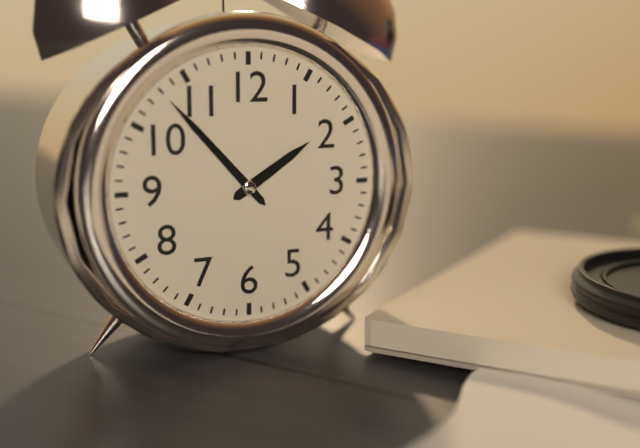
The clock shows 1.53
